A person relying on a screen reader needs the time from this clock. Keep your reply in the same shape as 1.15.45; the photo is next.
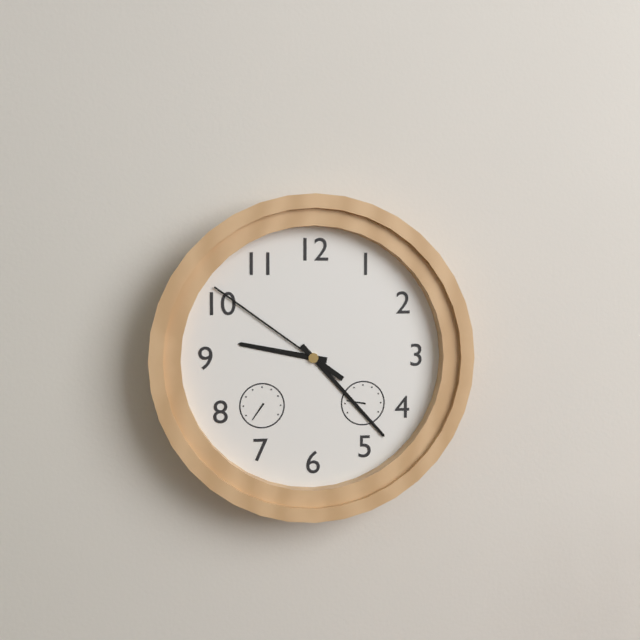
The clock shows 9.23.51
